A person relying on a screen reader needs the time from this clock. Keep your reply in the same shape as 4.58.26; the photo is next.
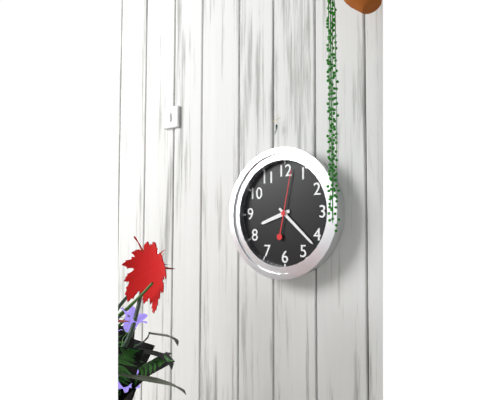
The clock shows 8.22.02
